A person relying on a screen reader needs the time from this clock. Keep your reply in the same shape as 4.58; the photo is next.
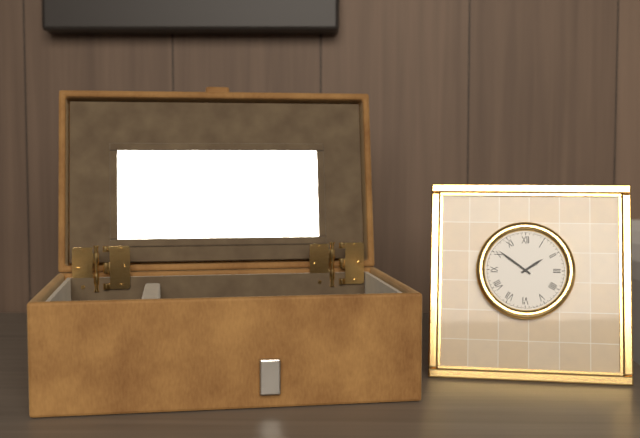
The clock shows 1.51
